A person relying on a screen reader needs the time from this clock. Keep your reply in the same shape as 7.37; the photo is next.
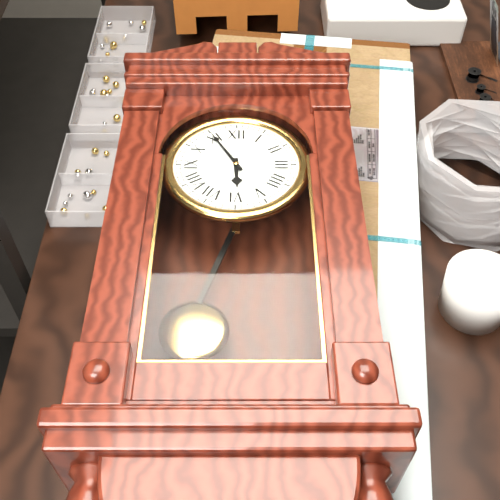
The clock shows 5.55
